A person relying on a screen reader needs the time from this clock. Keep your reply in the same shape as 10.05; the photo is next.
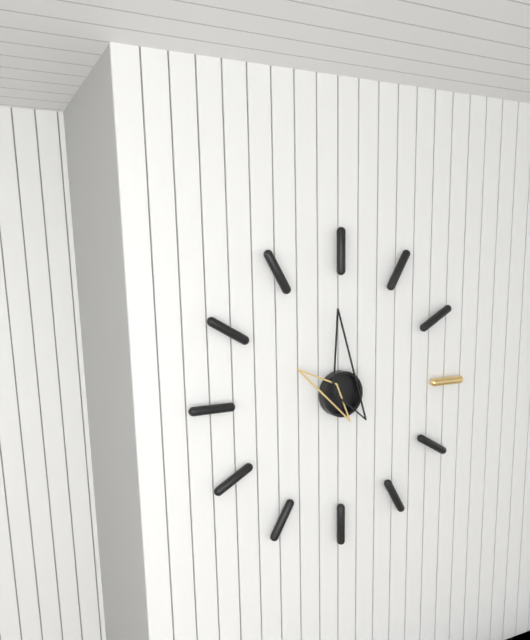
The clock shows 9.59
